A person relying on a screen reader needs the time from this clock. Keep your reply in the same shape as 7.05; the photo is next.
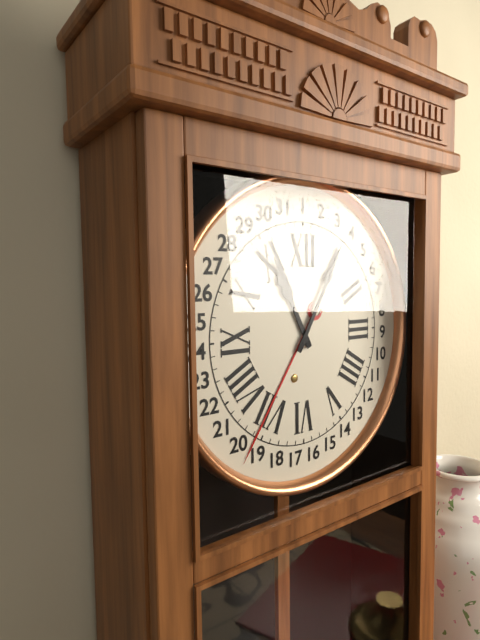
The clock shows 11.05
